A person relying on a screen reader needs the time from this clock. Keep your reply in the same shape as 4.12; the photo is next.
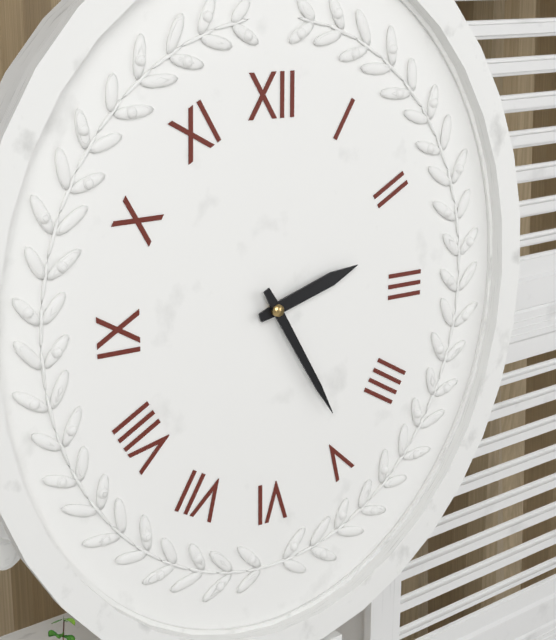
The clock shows 2.25
